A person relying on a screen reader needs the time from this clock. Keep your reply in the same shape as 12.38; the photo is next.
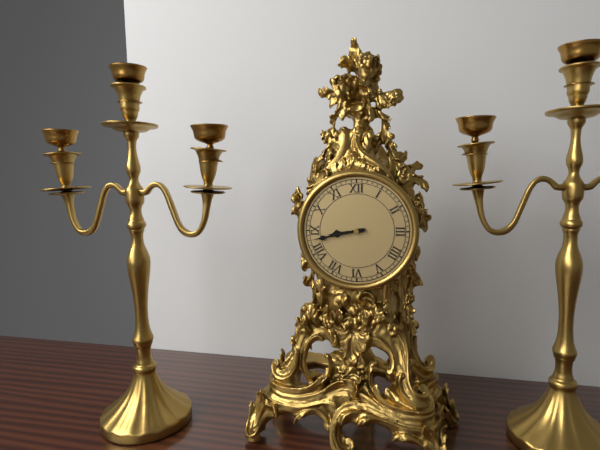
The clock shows 8.43
